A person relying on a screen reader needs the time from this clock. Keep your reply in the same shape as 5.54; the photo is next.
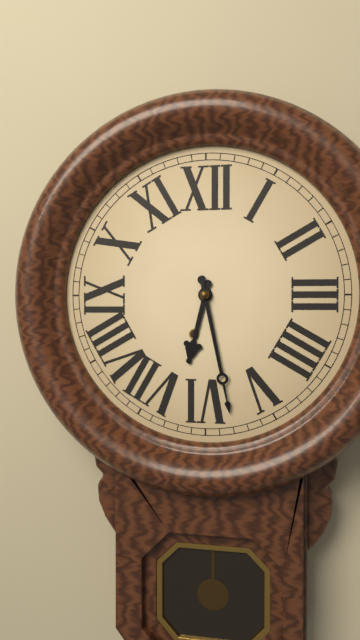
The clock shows 6.28
